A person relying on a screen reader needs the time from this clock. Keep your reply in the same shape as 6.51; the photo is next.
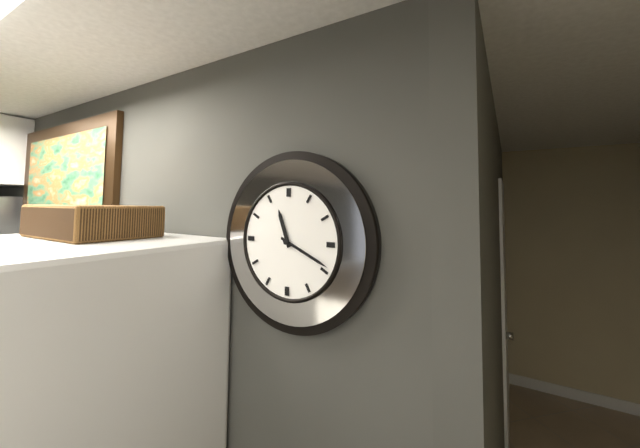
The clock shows 11.19
